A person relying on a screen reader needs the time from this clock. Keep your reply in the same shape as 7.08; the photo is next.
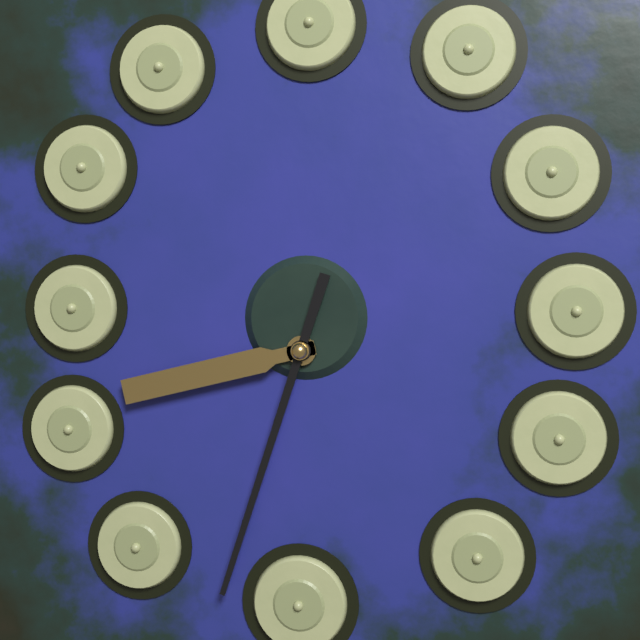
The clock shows 8.33
